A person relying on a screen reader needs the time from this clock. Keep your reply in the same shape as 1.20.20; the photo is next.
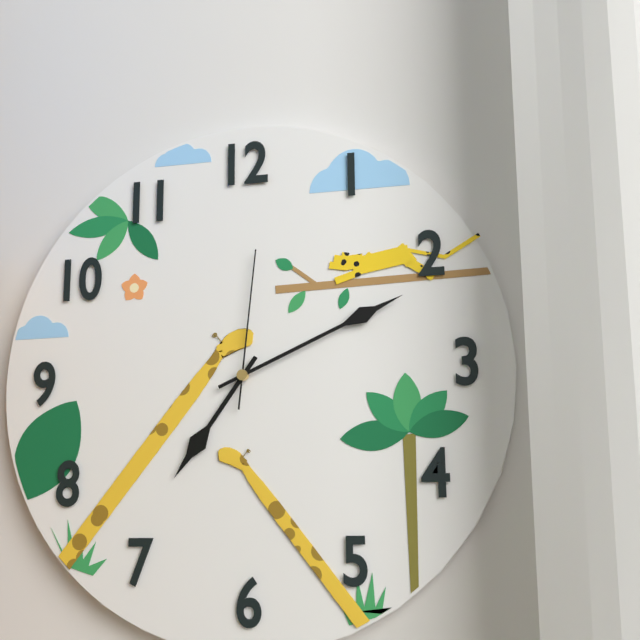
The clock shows 7.11.01
